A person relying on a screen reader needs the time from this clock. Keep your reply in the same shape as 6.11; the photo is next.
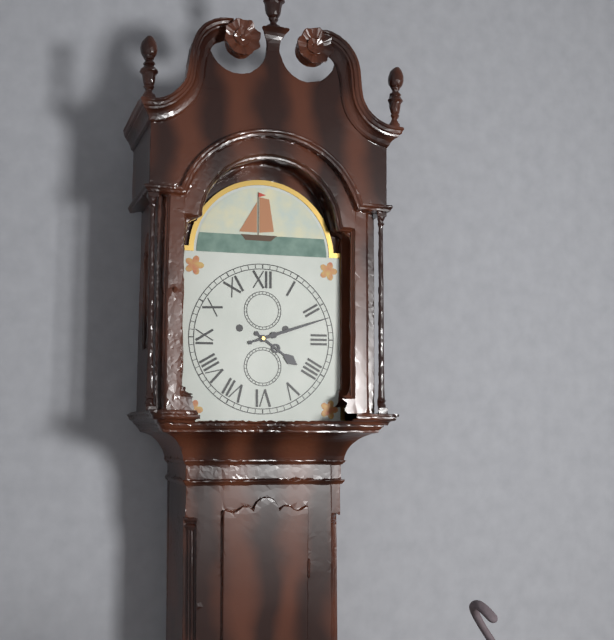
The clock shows 4.12
